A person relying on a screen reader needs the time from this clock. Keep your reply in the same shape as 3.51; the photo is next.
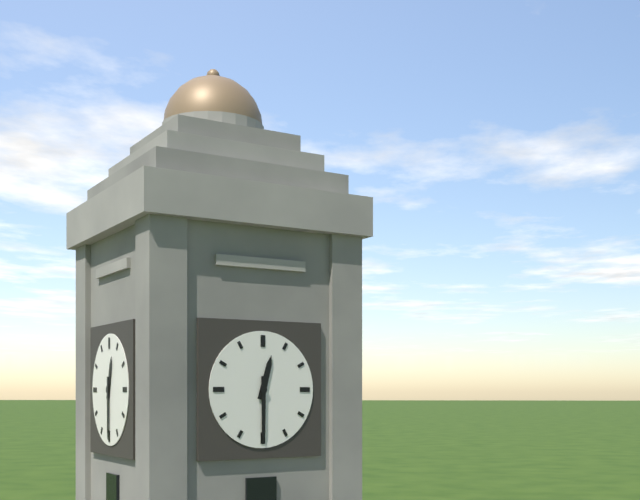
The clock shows 12.30
